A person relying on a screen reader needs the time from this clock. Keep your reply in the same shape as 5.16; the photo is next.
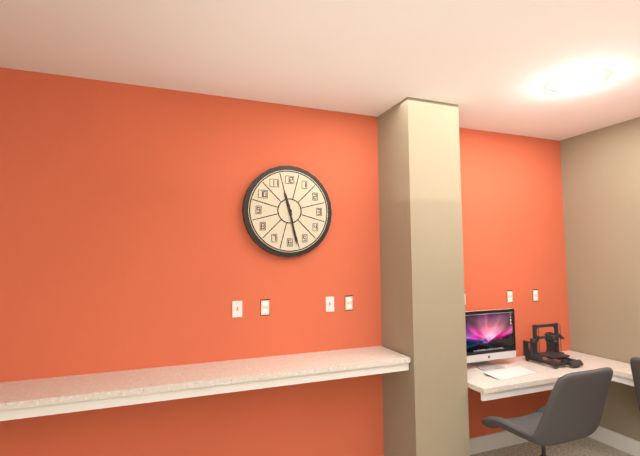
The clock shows 11.28
